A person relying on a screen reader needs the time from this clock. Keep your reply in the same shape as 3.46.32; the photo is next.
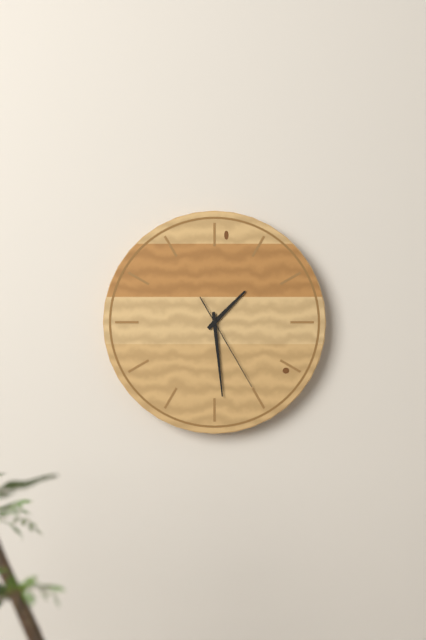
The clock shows 1.29.25
